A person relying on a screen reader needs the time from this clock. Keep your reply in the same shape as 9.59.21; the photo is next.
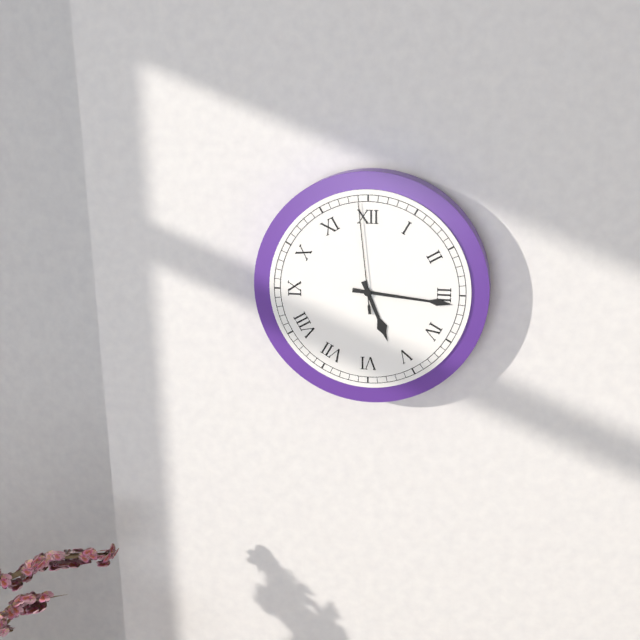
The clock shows 5.16.59
